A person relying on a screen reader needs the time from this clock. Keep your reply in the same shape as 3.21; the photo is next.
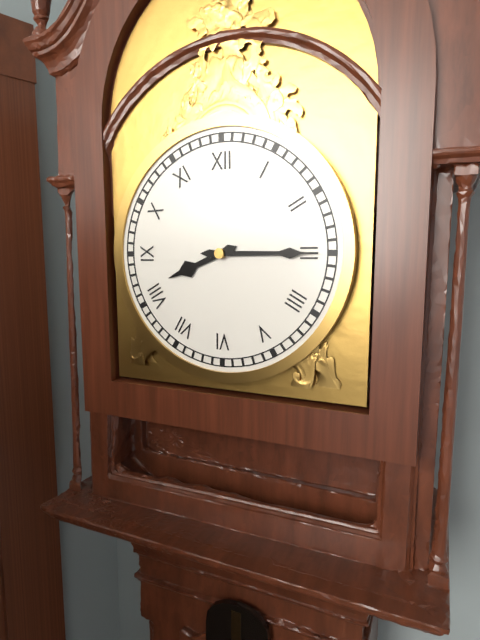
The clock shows 8.15
